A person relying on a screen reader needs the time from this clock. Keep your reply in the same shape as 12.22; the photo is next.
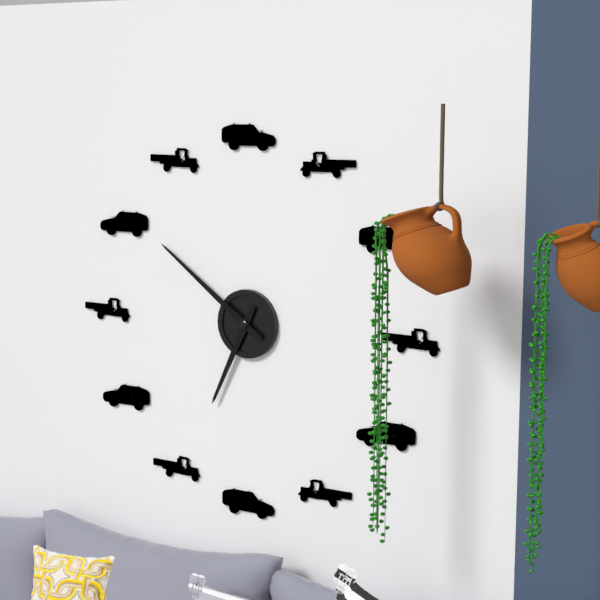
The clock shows 6.51
